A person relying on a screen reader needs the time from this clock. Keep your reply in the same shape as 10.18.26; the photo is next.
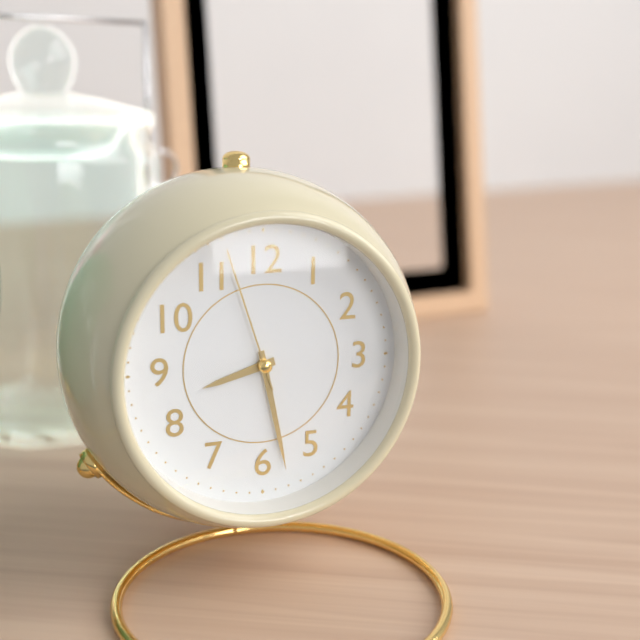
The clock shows 8.28.57
